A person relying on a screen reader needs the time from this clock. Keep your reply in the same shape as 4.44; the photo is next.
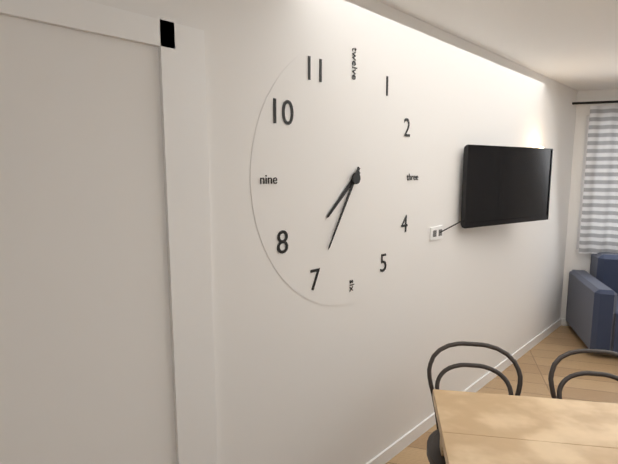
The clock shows 7.35
